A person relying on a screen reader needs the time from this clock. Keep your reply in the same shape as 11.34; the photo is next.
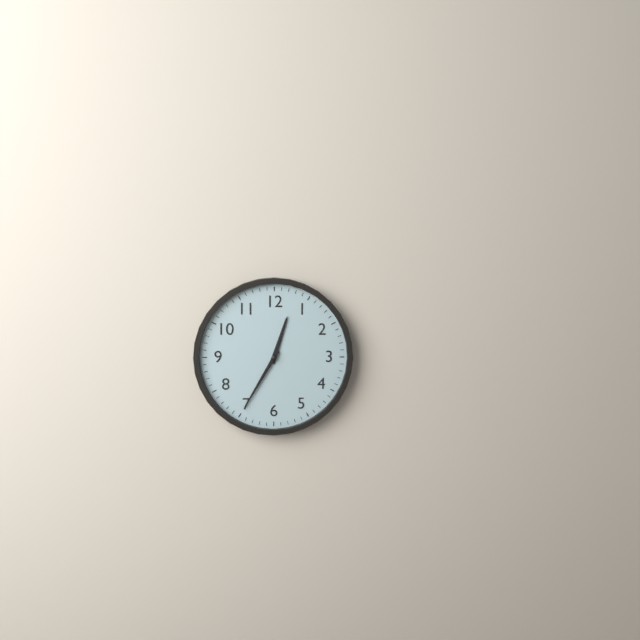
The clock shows 12.35
